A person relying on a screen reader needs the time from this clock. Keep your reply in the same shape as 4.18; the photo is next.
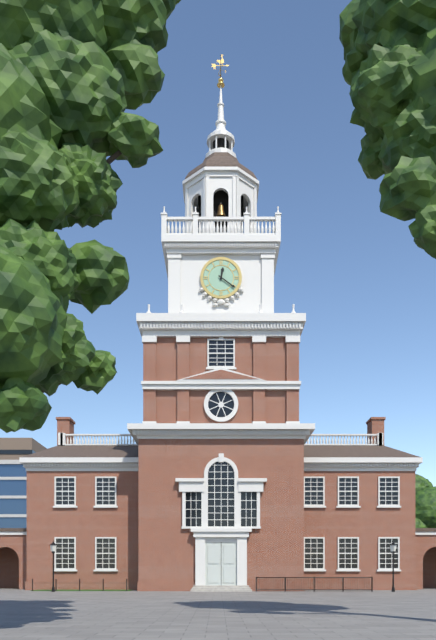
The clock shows 12.21
